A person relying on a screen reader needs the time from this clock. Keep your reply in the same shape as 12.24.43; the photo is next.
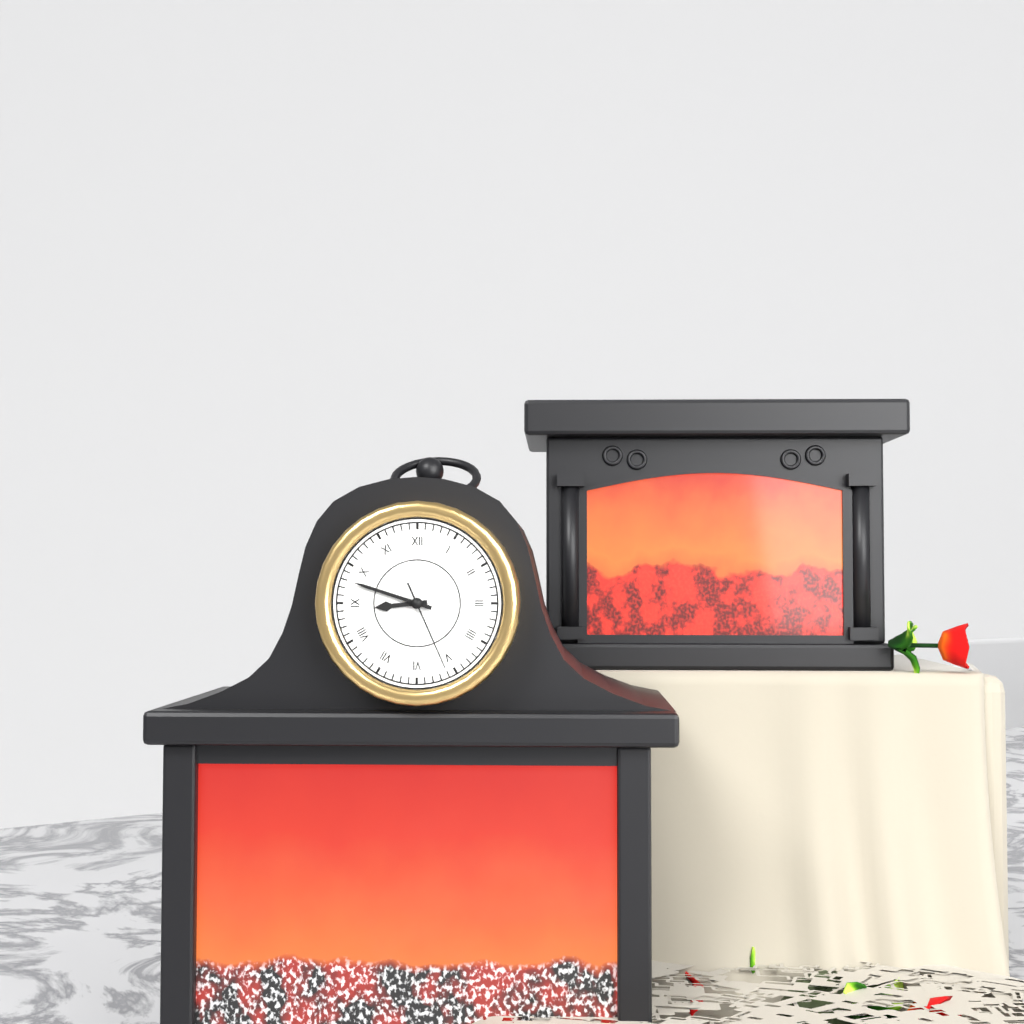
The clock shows 8.48.26
